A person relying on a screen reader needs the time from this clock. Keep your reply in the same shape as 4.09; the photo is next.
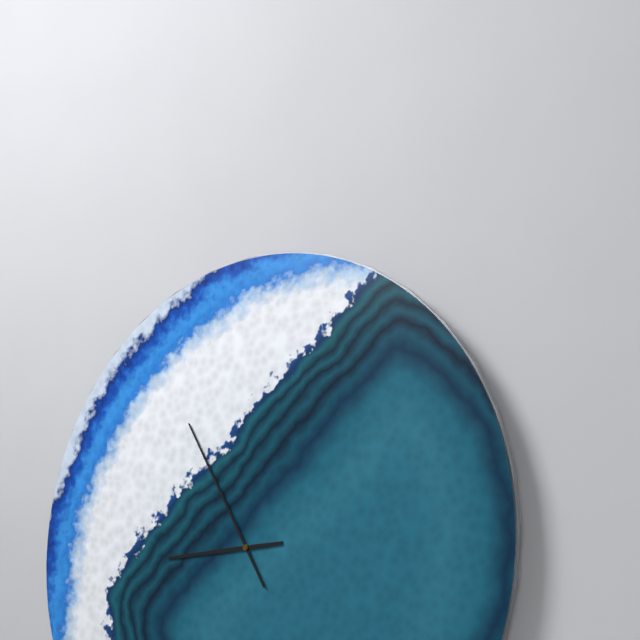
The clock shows 8.55
